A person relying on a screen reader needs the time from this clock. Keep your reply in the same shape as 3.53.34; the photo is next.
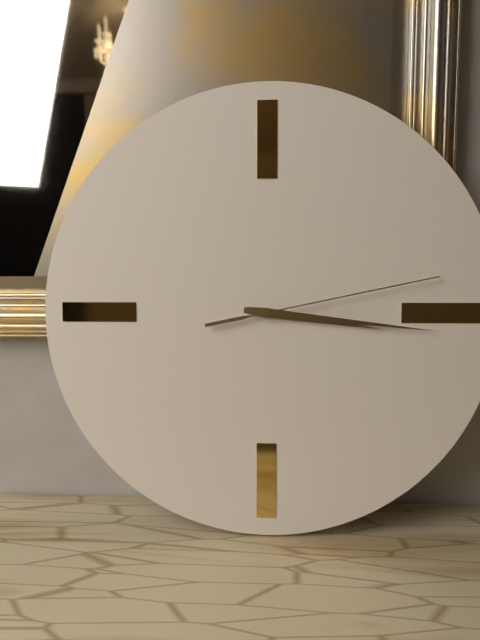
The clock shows 3.16.13
